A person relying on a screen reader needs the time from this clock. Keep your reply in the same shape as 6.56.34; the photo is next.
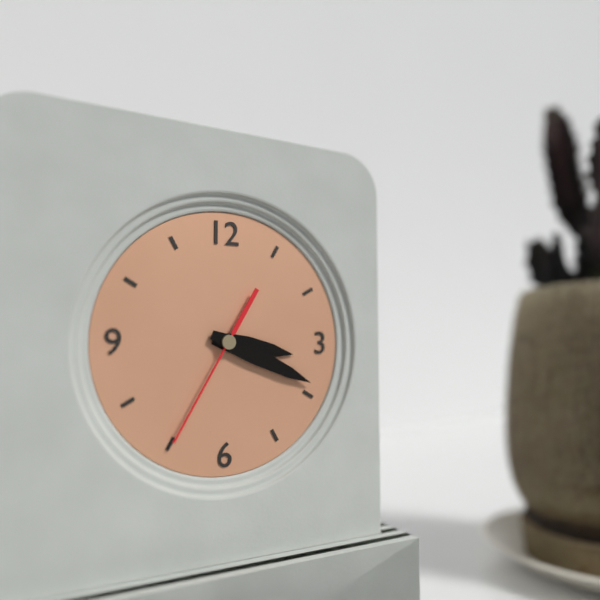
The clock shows 3.19.35
